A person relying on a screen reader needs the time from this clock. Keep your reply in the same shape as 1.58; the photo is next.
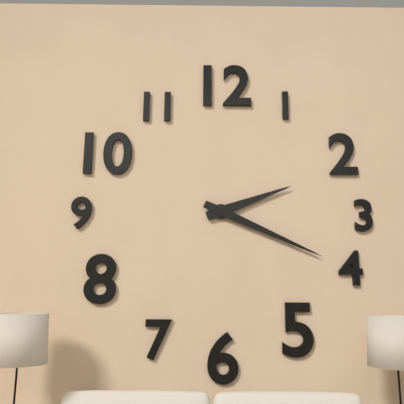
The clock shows 2.19
